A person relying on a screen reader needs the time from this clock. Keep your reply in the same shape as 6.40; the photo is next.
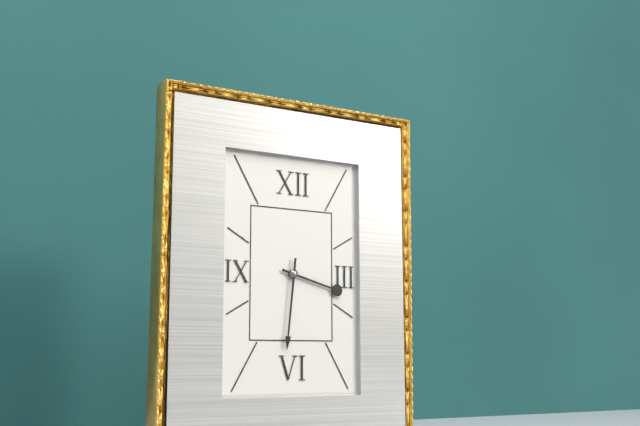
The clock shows 3.31
